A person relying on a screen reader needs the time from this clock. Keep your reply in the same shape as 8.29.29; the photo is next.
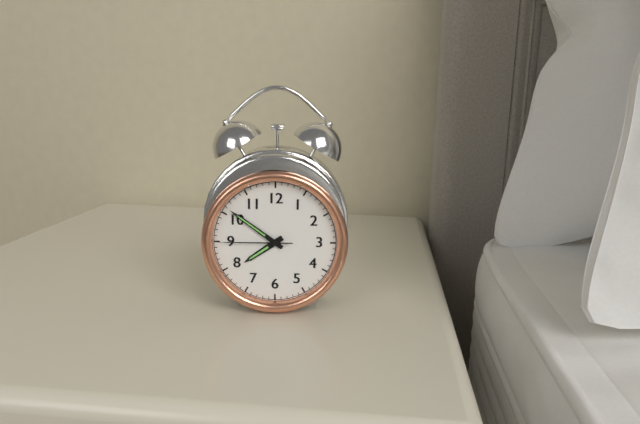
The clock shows 7.51.45
